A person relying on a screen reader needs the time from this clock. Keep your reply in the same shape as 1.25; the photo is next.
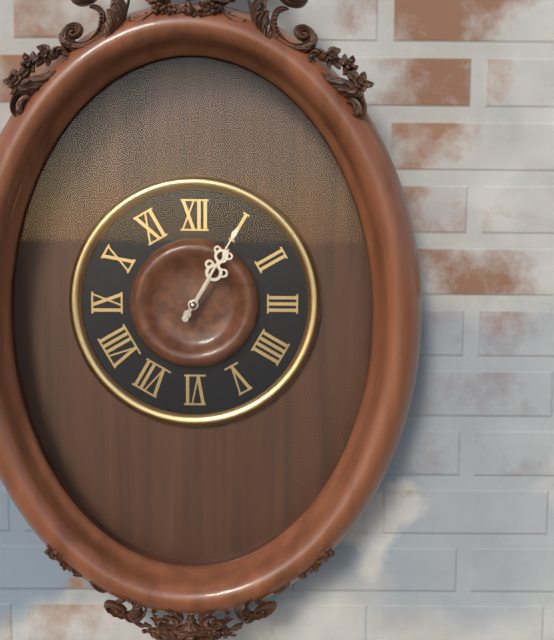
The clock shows 1.05
